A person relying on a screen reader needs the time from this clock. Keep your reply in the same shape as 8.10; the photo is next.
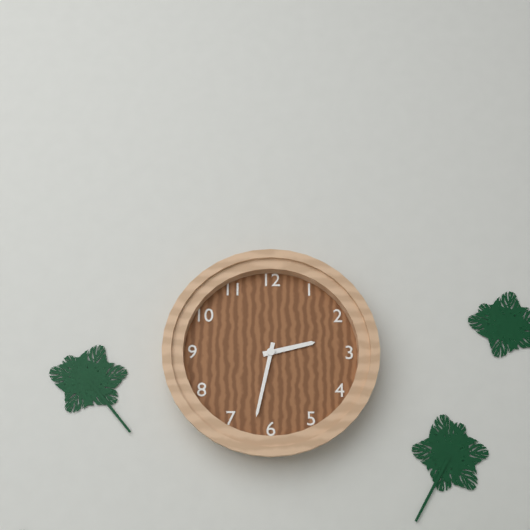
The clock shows 2.32
